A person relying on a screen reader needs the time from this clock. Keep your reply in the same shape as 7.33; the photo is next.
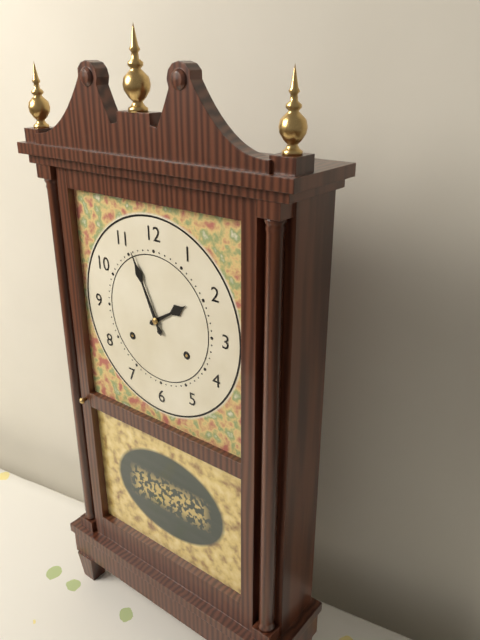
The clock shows 1.56
